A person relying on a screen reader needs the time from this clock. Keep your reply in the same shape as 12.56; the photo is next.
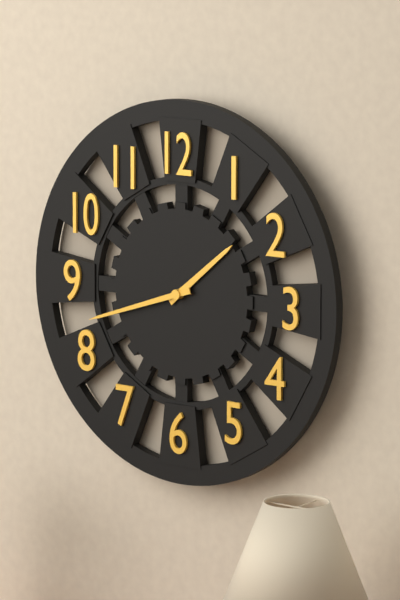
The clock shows 1.42
